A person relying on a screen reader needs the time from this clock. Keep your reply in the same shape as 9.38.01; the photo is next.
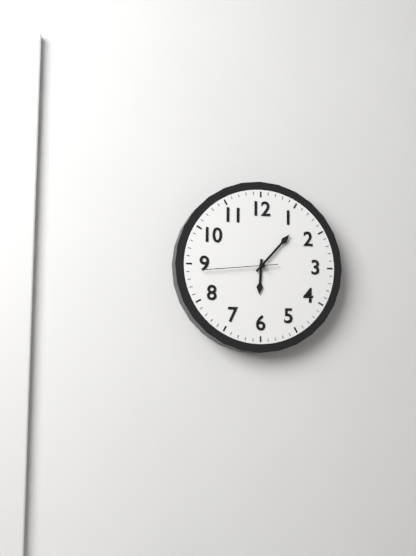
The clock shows 6.07.44
